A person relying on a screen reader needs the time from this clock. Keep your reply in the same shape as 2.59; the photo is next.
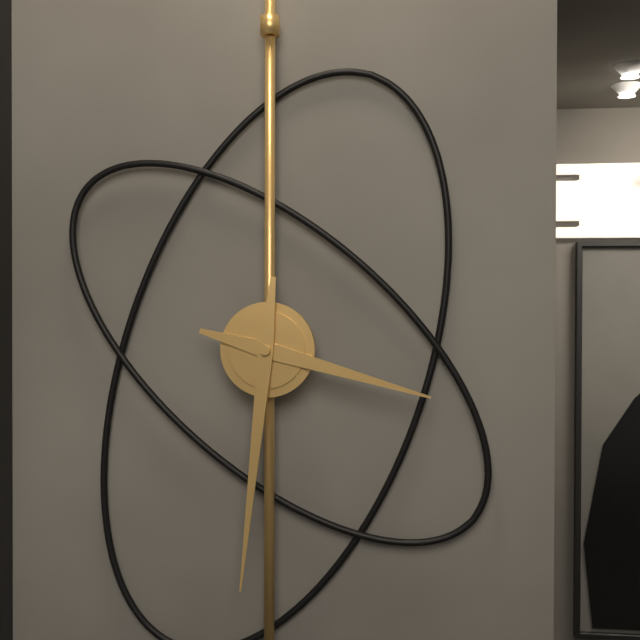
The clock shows 3.31
